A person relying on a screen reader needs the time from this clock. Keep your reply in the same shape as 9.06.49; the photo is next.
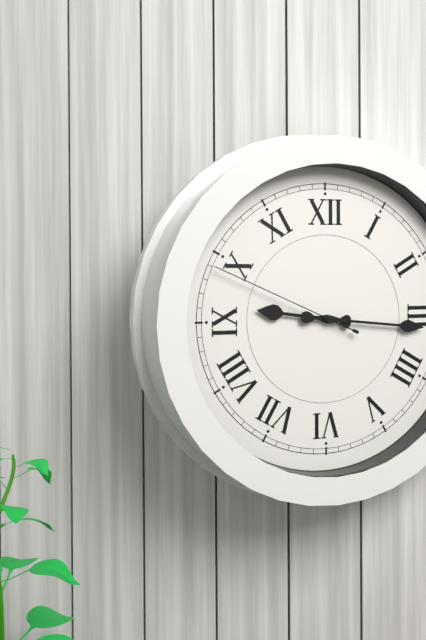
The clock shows 9.16.49
